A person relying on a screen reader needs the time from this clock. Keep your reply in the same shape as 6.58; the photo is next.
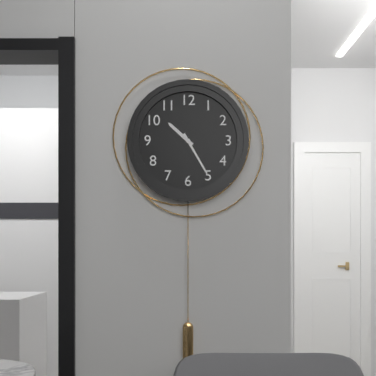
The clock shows 10.25
